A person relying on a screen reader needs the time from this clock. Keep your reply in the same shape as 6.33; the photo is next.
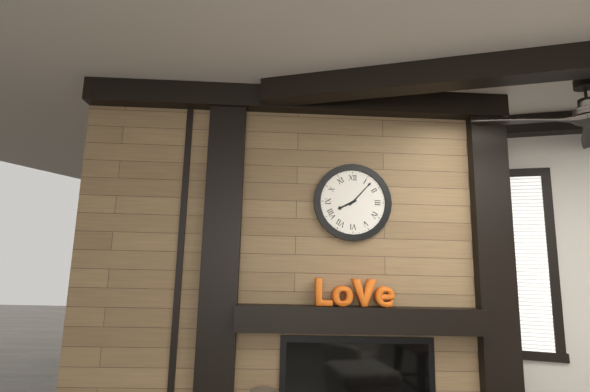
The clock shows 8.07
